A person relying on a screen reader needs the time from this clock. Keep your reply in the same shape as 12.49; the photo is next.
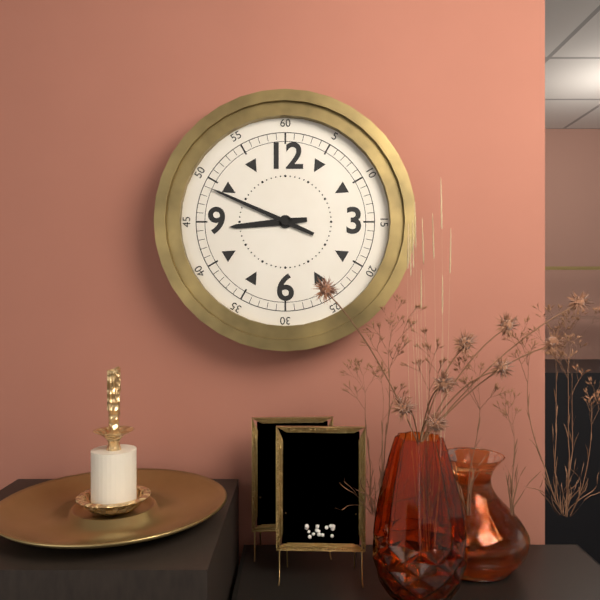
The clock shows 8.49
